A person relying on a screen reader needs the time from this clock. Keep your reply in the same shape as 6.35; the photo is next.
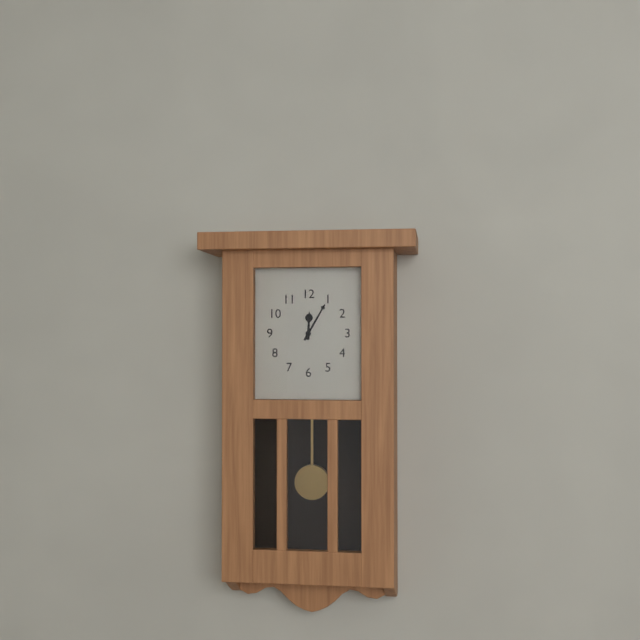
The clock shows 12.05
